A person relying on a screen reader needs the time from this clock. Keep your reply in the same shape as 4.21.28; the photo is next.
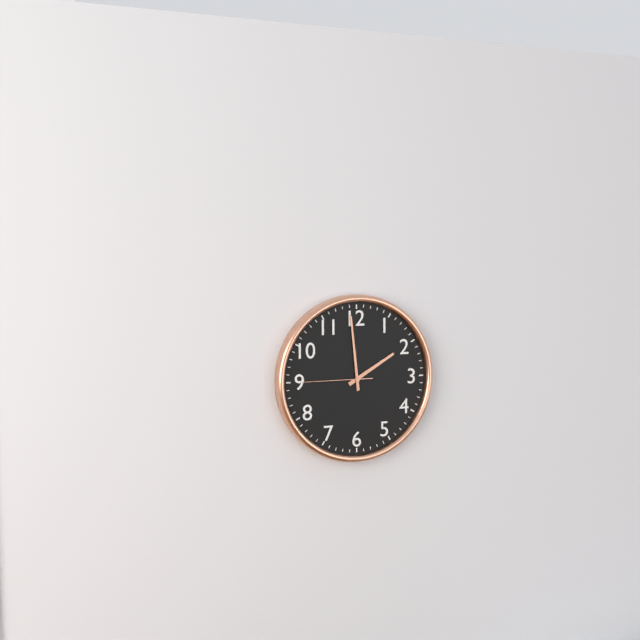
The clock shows 1.59.45
